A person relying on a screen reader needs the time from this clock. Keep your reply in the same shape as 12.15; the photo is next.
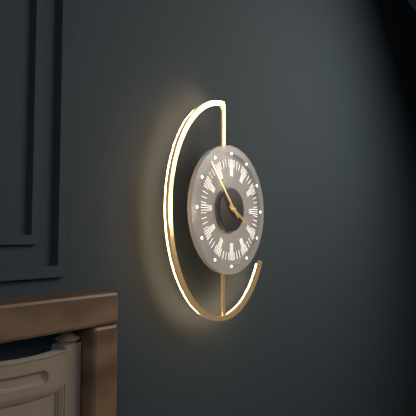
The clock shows 3.53
